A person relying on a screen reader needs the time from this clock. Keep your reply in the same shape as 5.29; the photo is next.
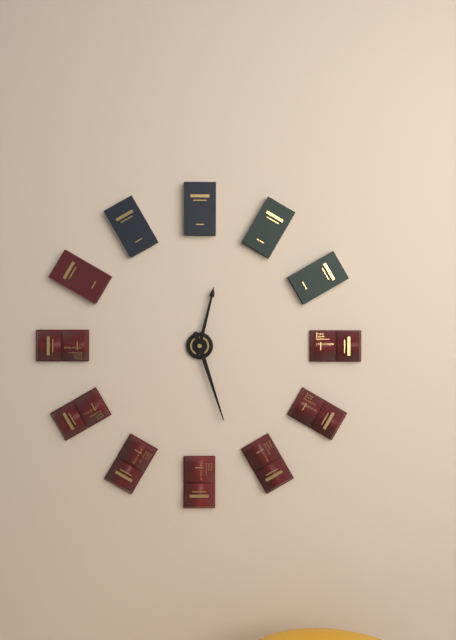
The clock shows 12.27
